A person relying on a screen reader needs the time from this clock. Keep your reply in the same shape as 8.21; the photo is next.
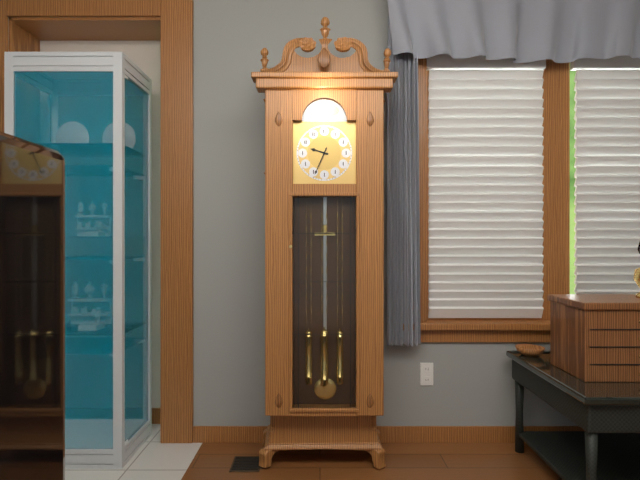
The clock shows 9.34
